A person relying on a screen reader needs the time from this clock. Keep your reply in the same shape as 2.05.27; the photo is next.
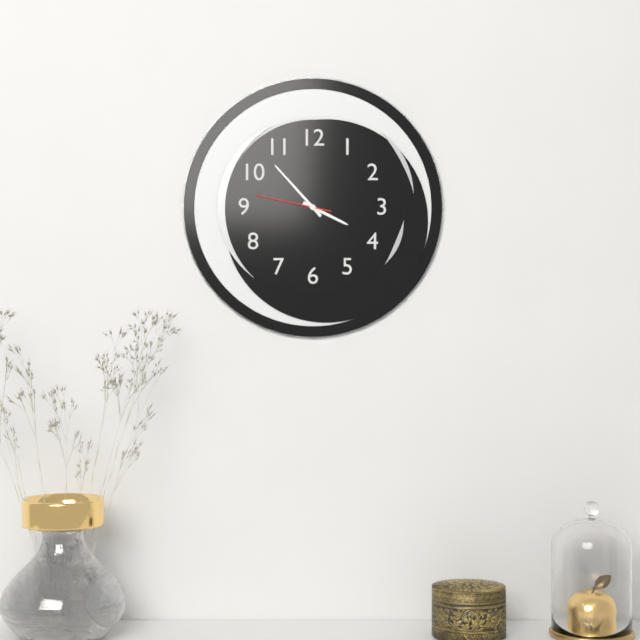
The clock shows 3.53.47
